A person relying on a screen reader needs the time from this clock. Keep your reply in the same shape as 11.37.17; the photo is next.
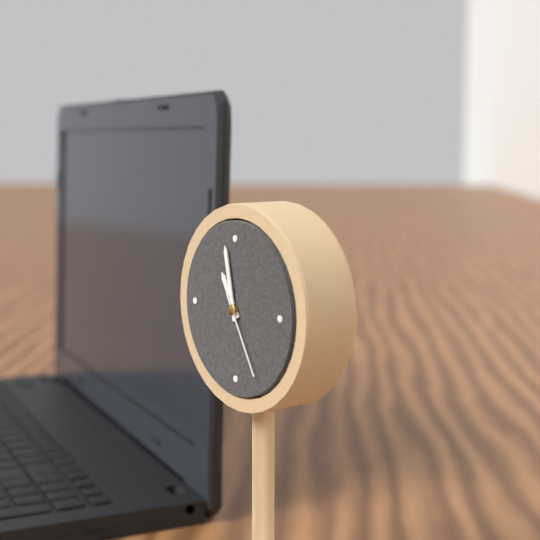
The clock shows 10.58.25
